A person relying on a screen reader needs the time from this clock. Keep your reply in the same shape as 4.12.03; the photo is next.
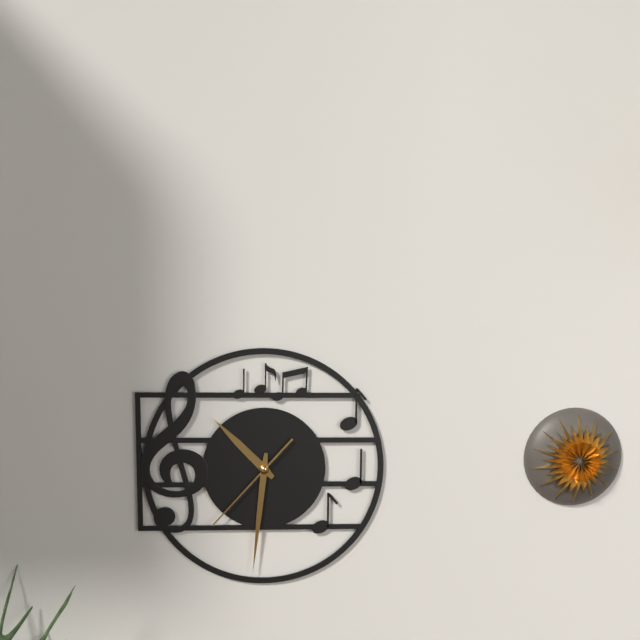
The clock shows 10.31.37
